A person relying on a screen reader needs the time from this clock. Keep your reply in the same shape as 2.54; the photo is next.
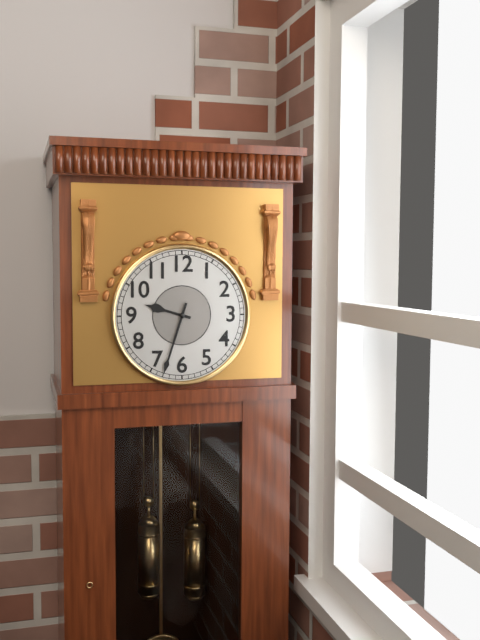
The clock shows 9.33
